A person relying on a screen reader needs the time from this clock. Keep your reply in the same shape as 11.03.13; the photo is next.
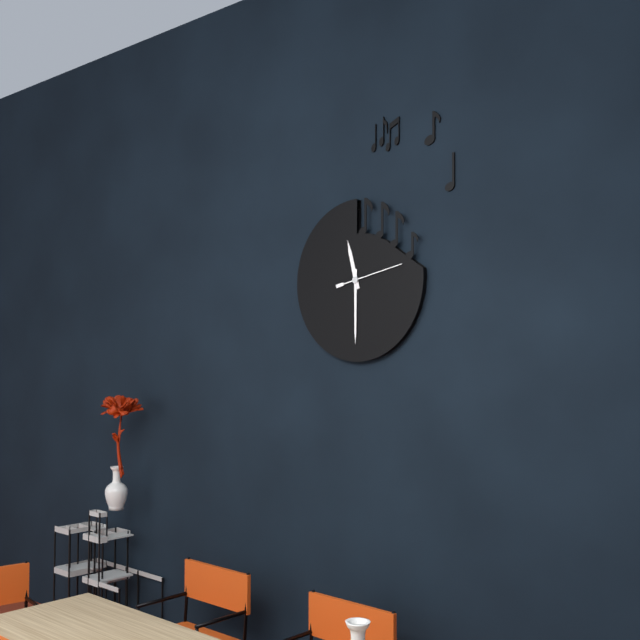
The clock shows 11.30.13
